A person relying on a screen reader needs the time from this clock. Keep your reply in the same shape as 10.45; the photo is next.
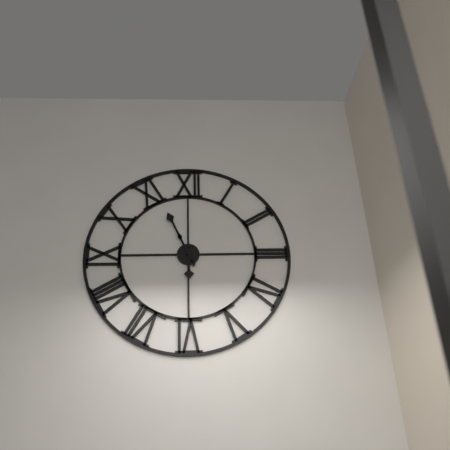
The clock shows 5.56
